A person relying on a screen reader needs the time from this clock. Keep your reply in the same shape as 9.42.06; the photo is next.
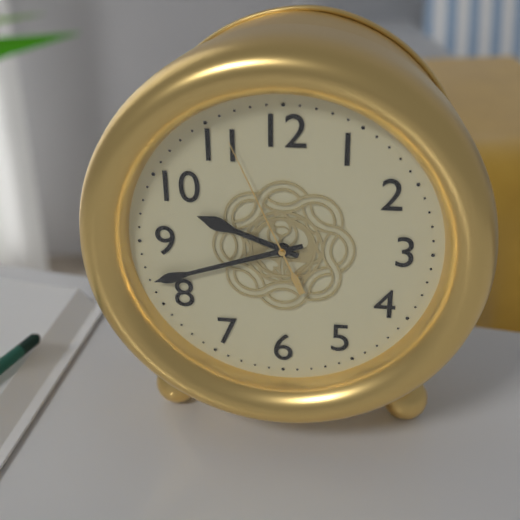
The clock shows 9.42.56
